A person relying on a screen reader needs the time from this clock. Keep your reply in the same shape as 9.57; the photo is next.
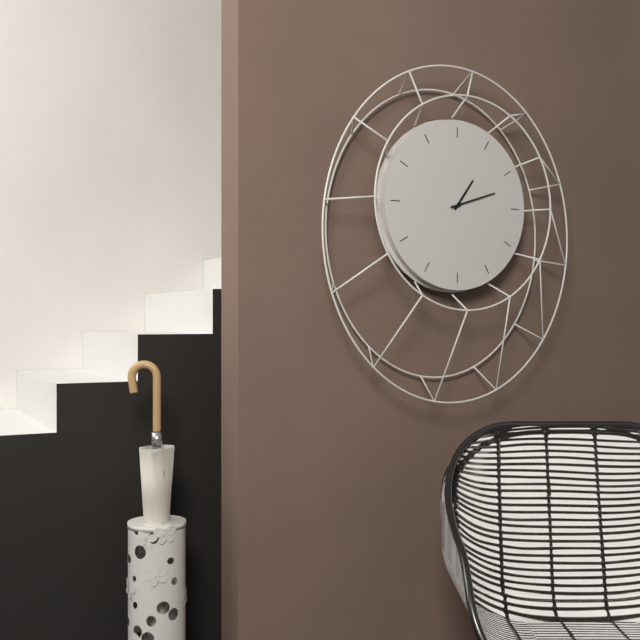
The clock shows 1.12
